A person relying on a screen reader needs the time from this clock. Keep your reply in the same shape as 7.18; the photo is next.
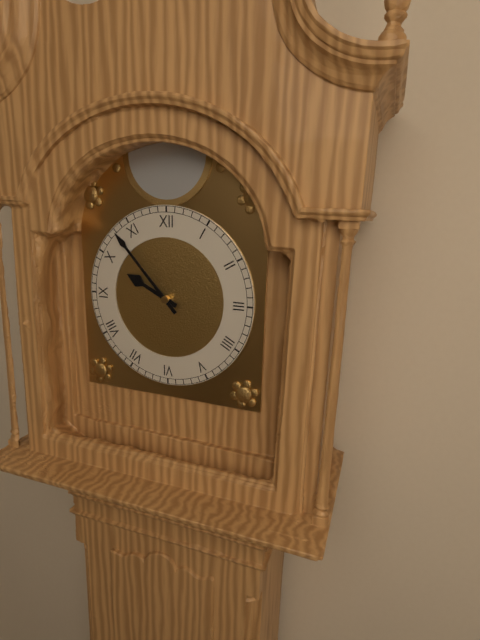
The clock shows 9.53
